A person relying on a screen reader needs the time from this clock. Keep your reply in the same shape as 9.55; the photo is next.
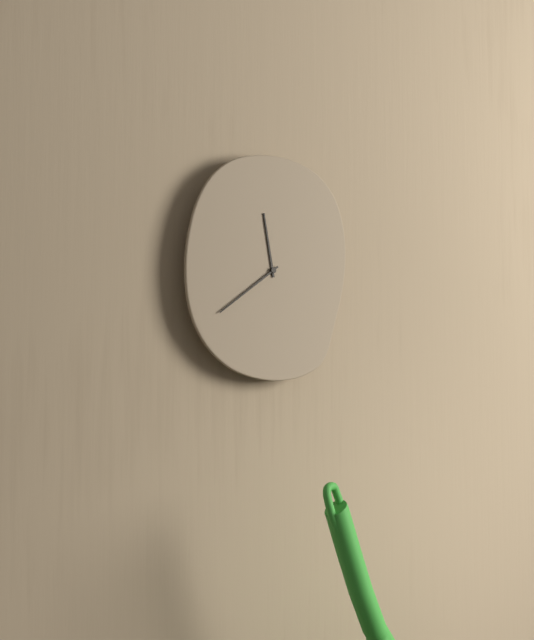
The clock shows 11.39
